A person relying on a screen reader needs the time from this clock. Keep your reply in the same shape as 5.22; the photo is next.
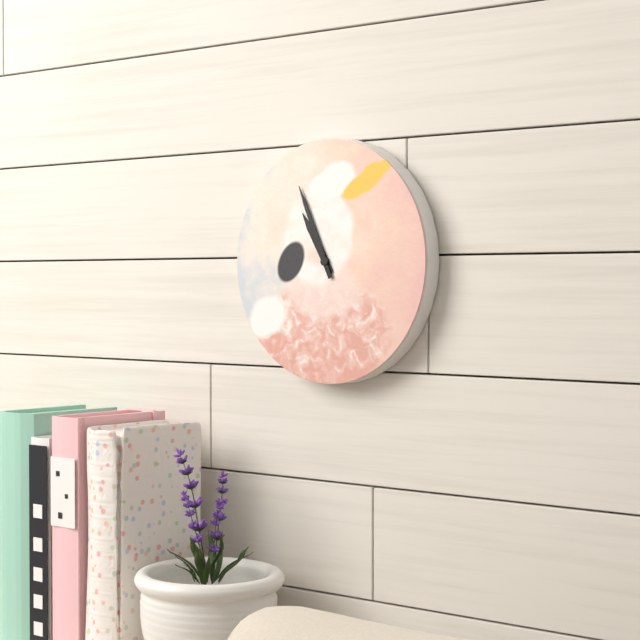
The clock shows 10.56
